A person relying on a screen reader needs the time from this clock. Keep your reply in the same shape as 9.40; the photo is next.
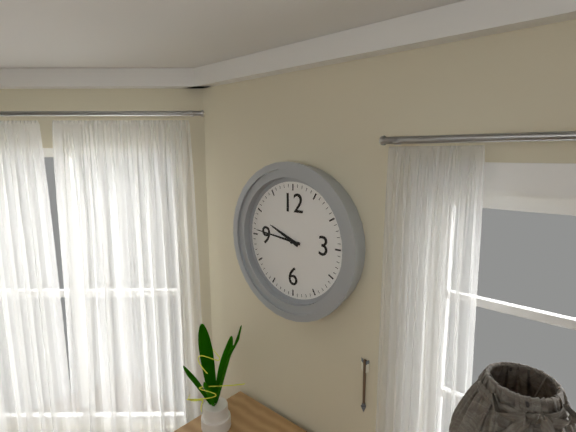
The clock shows 9.46
